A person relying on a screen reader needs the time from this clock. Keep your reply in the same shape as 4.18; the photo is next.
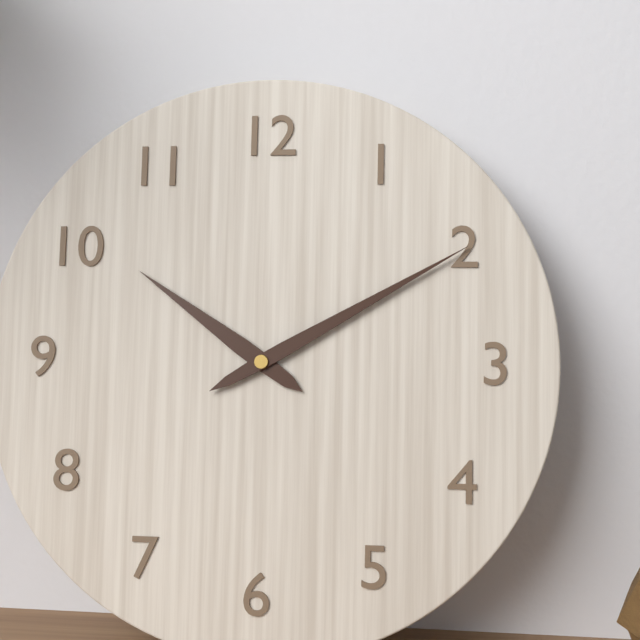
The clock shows 10.10
